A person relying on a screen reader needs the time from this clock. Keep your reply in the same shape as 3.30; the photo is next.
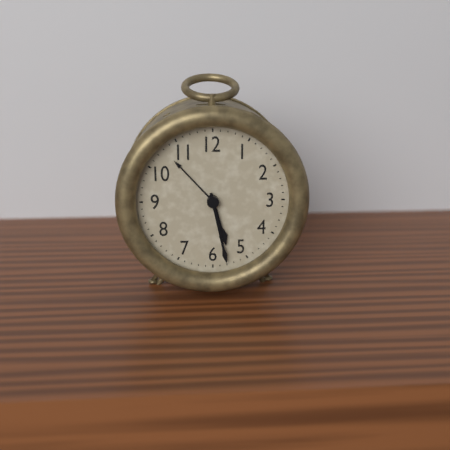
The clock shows 5.28
